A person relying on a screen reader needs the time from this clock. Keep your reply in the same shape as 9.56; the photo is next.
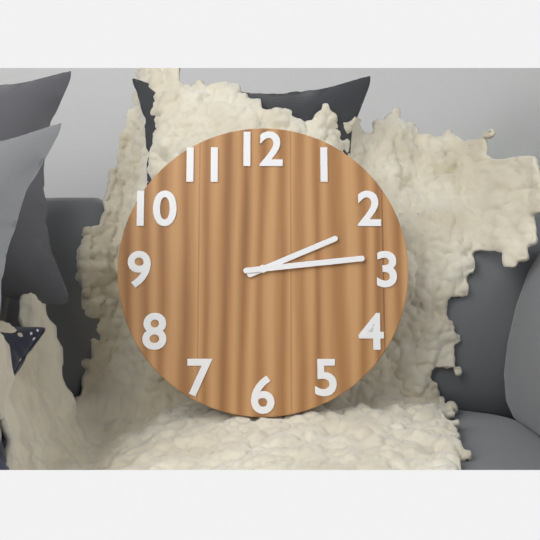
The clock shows 2.14
